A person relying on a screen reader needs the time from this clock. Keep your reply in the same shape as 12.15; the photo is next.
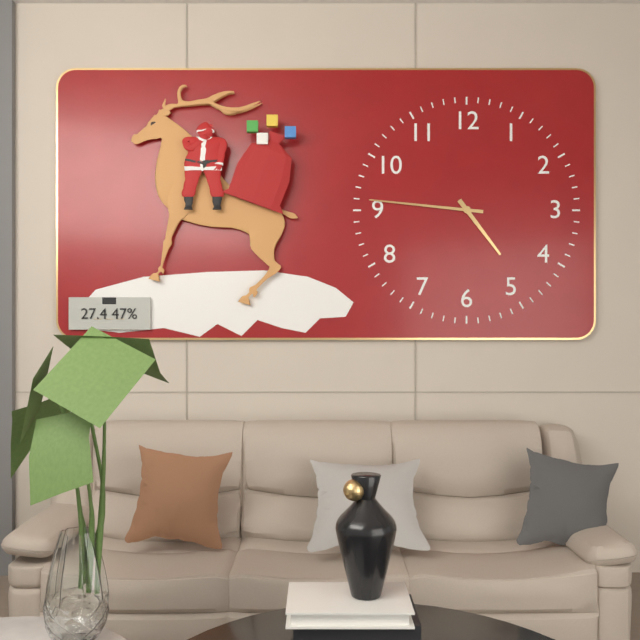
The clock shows 4.46
